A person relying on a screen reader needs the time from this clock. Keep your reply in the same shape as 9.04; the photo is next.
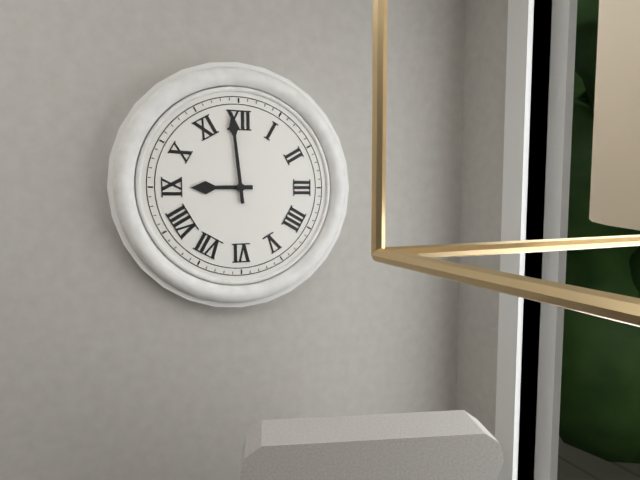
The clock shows 8.59
